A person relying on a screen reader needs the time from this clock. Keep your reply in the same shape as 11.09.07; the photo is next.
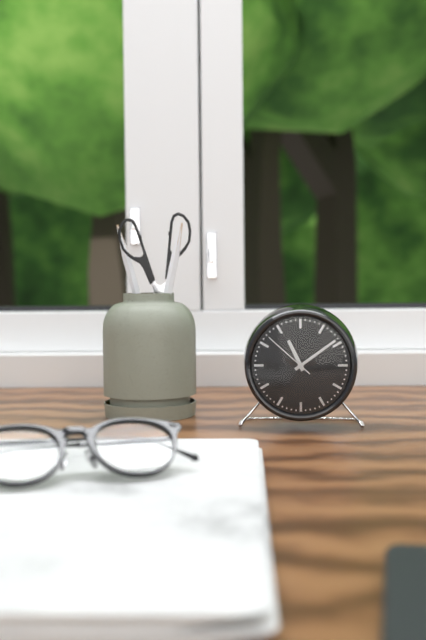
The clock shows 11.09.52
